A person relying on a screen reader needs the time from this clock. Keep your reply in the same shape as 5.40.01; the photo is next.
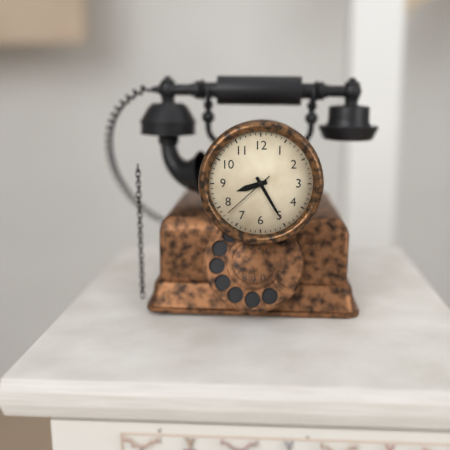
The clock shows 8.25.38
